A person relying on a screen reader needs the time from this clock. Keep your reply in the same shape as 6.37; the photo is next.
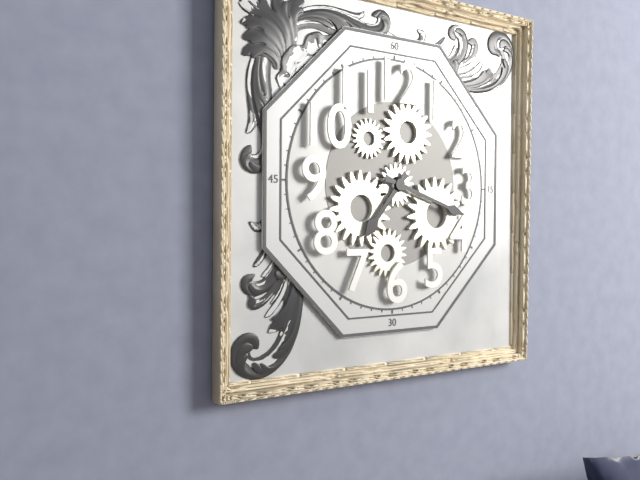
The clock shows 7.18
